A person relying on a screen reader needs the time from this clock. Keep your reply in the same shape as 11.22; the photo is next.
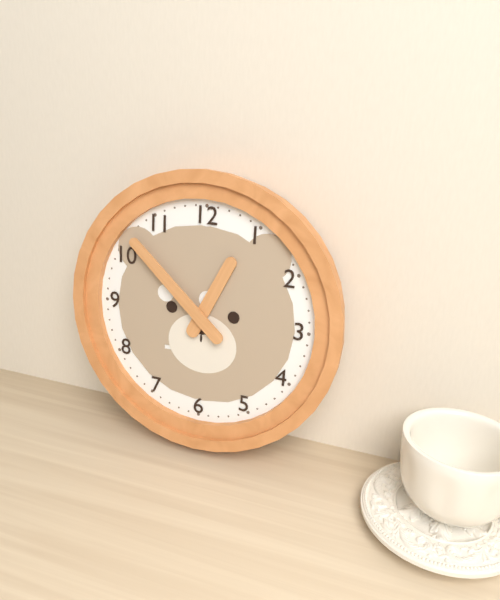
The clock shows 12.52
